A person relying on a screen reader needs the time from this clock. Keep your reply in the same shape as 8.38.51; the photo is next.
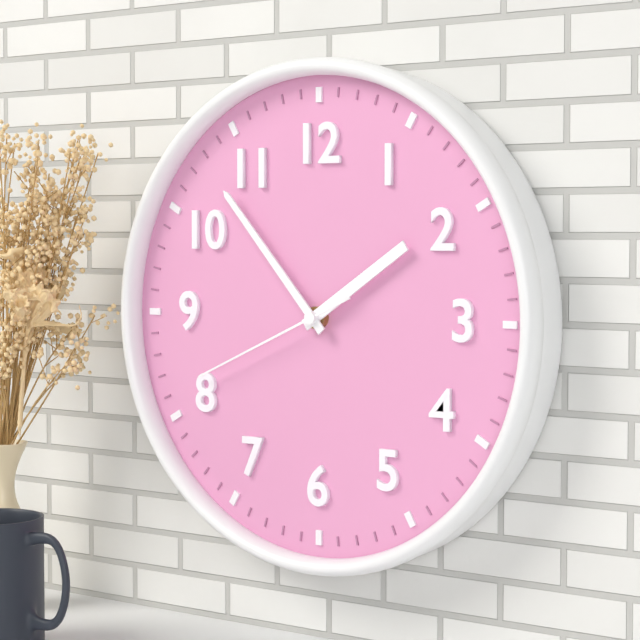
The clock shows 1.53.41
